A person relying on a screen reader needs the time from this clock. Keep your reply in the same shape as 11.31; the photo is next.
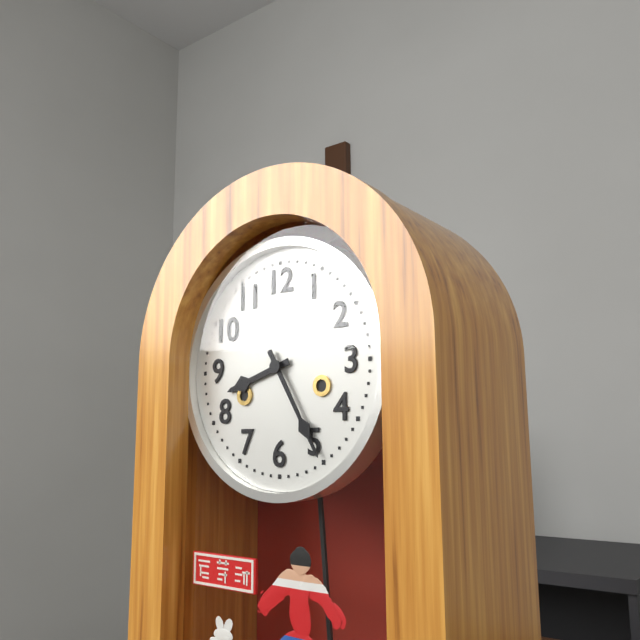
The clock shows 8.25
